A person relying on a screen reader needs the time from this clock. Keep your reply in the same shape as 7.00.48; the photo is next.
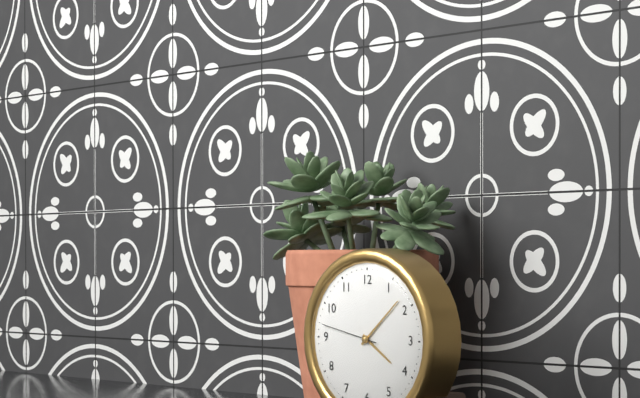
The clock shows 4.08.47
